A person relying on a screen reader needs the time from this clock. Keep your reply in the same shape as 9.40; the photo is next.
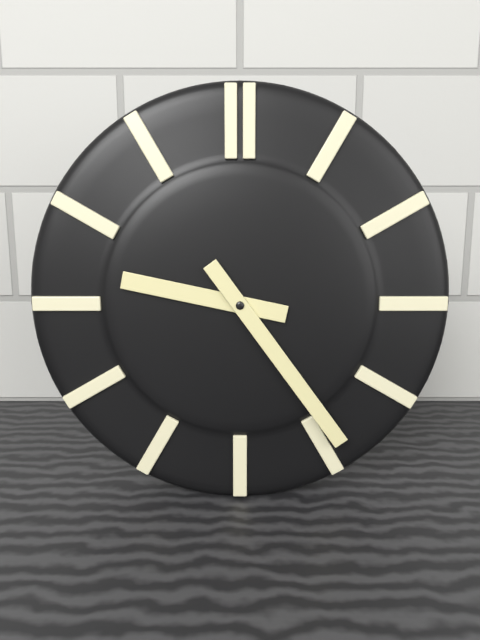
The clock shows 9.24
